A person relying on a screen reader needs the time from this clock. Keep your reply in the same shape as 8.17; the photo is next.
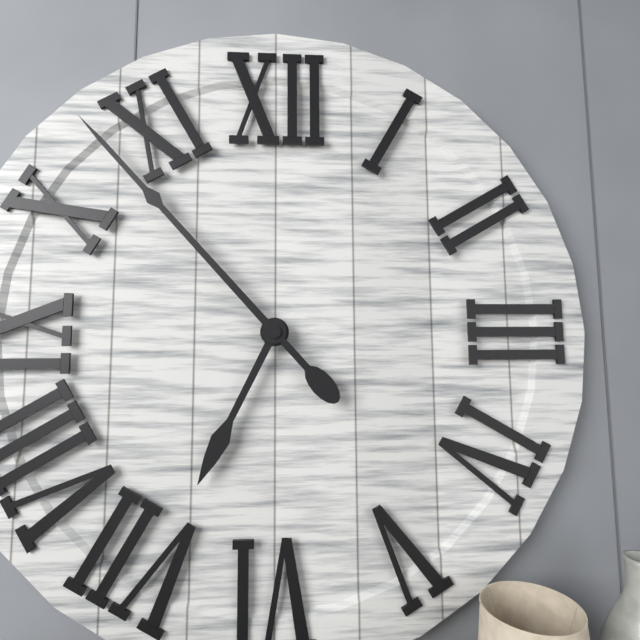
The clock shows 6.53
